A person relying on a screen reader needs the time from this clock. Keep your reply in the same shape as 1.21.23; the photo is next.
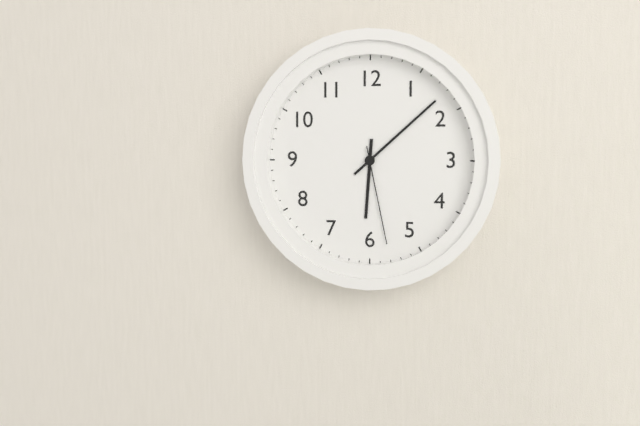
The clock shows 6.08.28
